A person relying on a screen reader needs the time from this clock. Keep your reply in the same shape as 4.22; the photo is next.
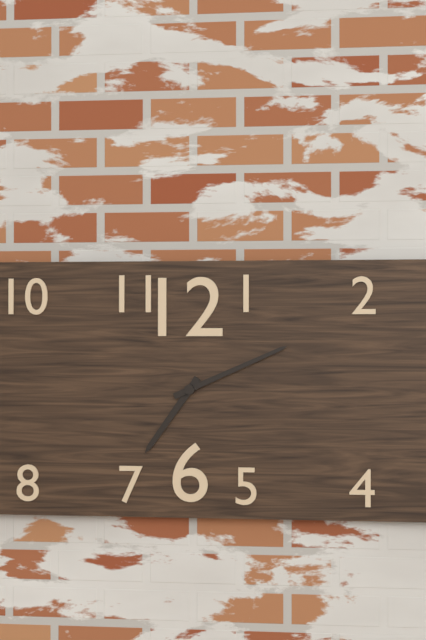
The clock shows 7.11
